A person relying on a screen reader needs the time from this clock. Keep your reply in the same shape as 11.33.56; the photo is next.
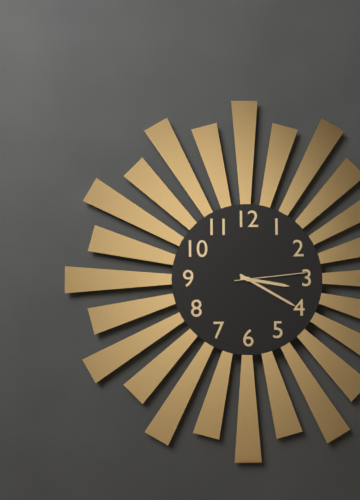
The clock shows 3.20.14
